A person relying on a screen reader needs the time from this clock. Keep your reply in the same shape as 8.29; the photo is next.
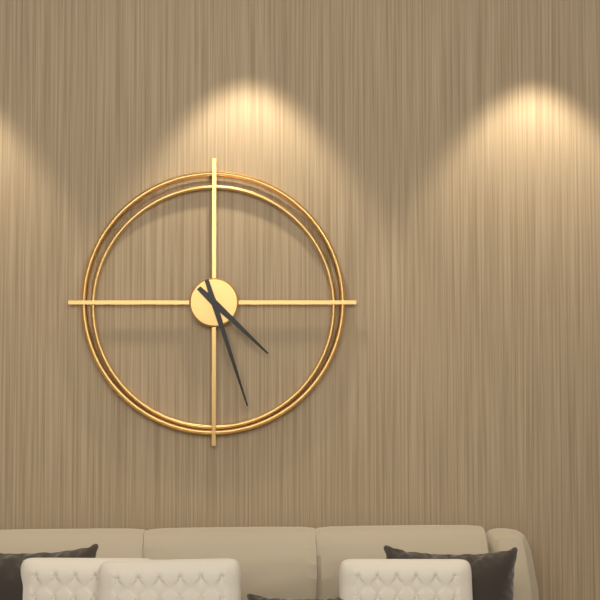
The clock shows 4.27
